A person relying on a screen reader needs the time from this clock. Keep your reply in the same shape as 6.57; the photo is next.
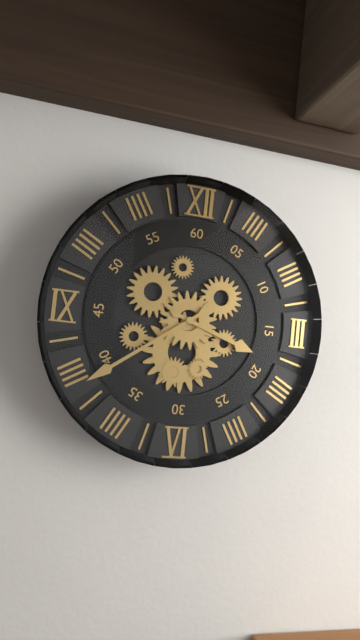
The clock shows 3.39
